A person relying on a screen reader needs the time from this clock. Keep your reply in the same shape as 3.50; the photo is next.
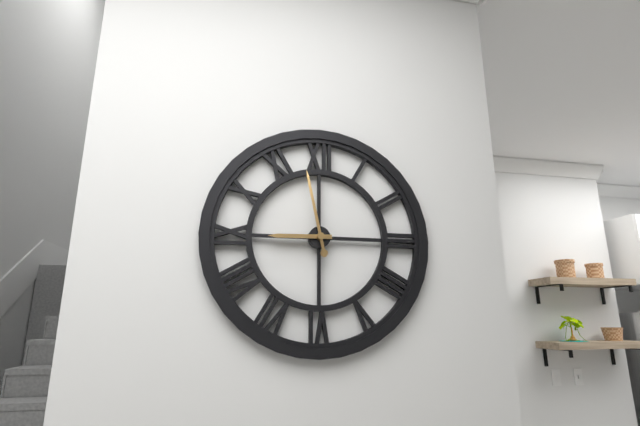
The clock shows 8.58
